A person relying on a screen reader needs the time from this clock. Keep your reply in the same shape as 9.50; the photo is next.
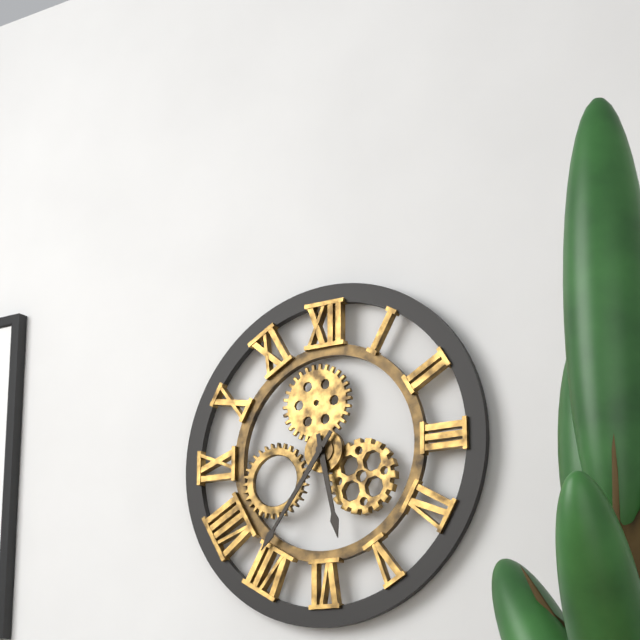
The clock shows 5.36
